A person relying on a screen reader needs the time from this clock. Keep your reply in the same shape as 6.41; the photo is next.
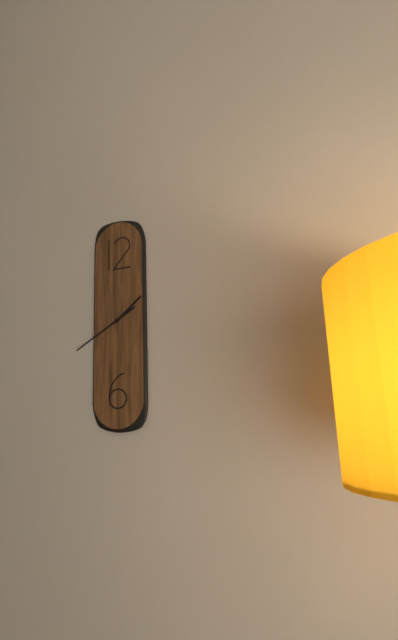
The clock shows 1.40
